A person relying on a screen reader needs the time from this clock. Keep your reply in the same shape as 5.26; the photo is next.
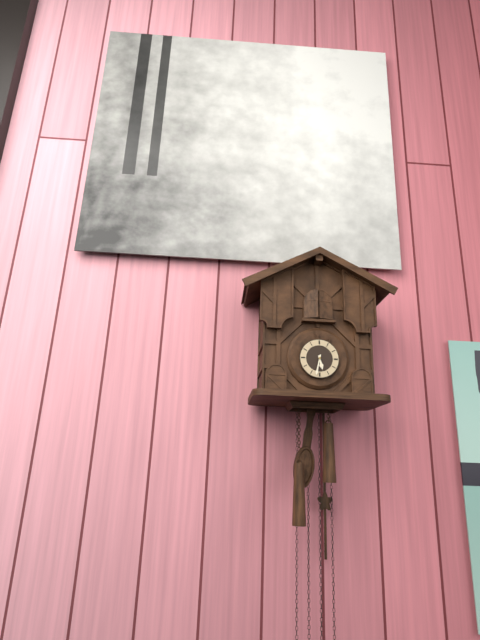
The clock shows 5.32
